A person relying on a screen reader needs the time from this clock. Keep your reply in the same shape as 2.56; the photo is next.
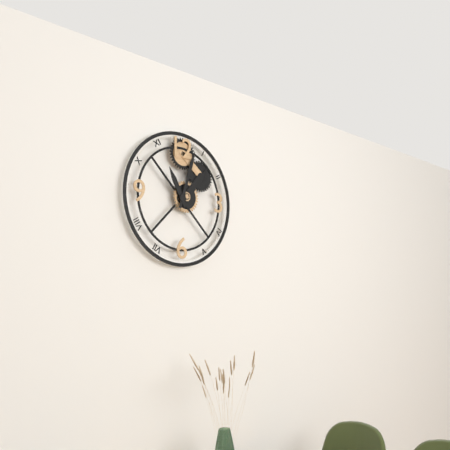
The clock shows 11.03
